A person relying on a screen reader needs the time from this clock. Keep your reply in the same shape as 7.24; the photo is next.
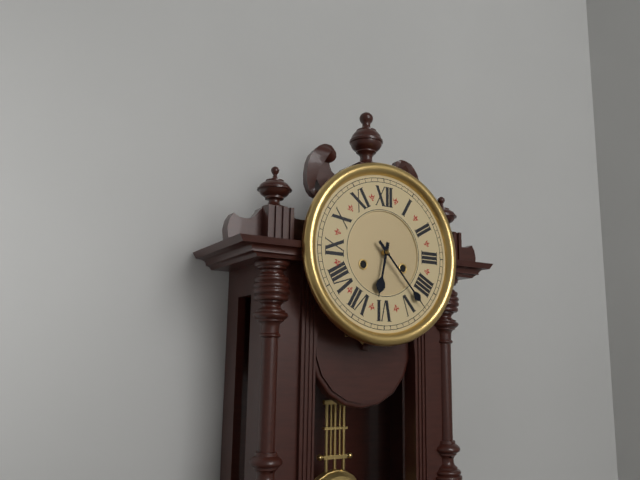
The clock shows 6.23
